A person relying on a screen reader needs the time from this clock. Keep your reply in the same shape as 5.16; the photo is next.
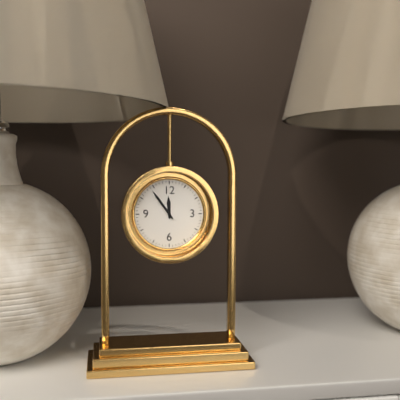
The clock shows 11.54
